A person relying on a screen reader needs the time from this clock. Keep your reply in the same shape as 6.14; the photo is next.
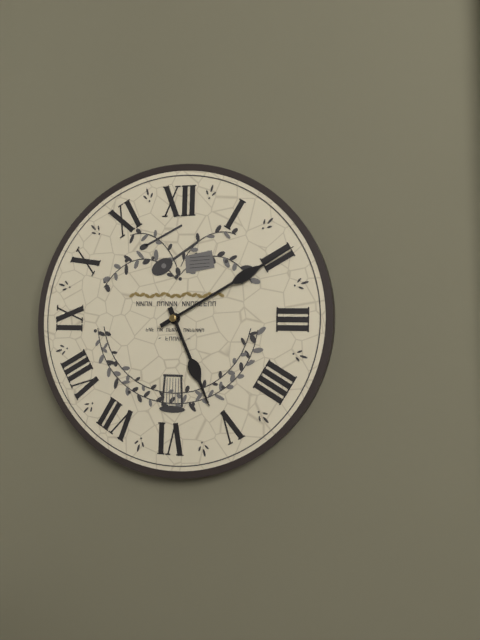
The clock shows 5.10
